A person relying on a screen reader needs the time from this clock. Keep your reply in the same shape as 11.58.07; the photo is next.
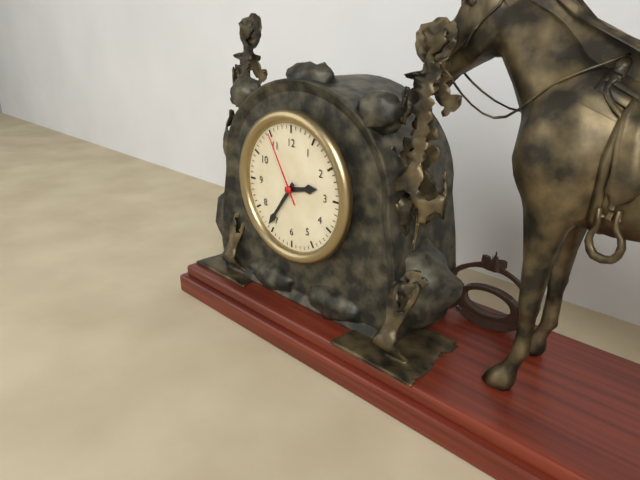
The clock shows 2.36.55
